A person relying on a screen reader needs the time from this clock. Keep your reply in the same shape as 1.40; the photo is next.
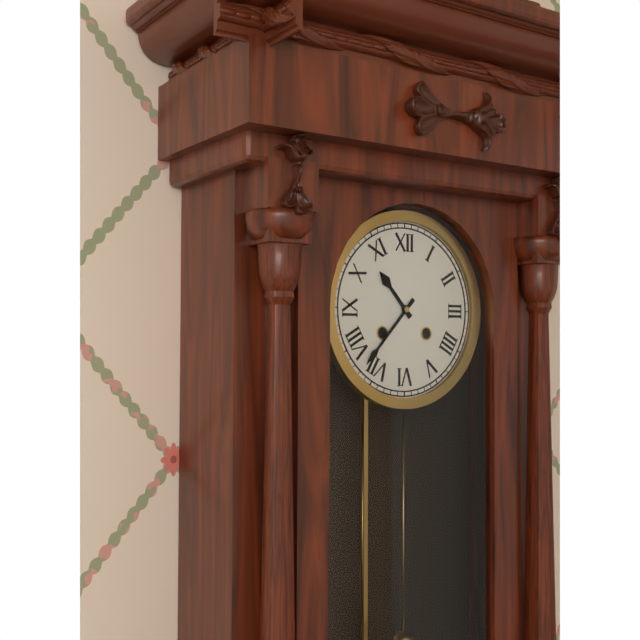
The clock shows 10.37
